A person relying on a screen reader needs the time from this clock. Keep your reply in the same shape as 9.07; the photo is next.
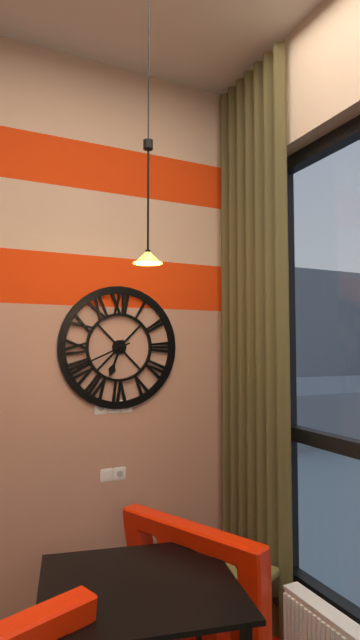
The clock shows 6.41
